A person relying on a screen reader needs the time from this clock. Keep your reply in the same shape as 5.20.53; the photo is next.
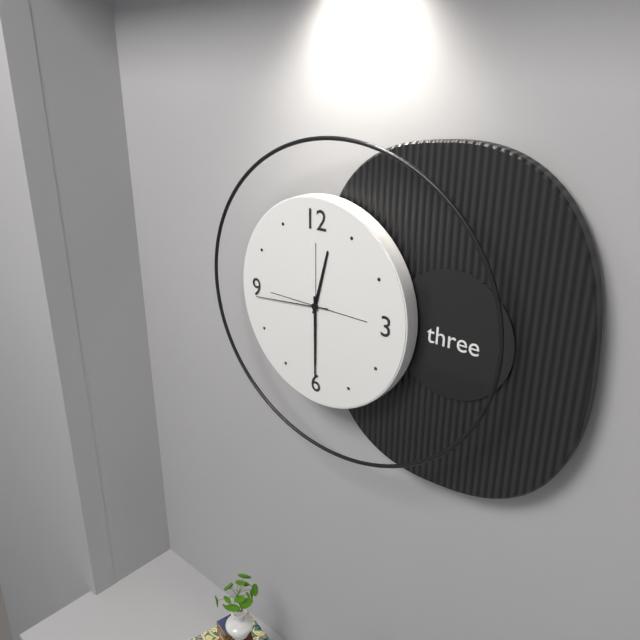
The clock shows 12.30.44
